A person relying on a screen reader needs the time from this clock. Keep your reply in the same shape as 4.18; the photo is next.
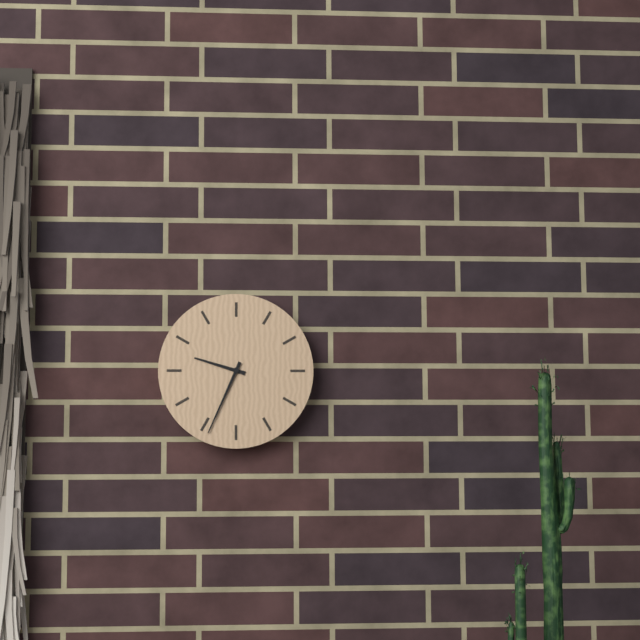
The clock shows 9.34
